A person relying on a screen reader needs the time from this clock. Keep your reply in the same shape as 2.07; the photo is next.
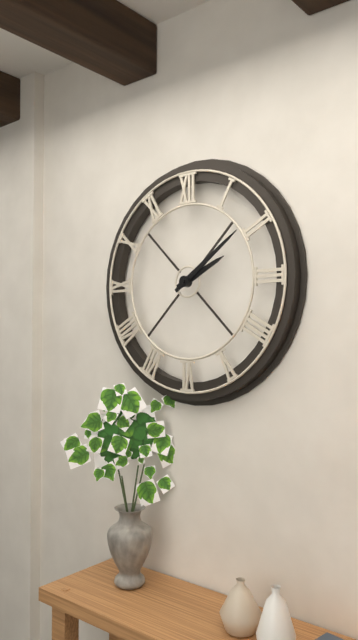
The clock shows 2.09
